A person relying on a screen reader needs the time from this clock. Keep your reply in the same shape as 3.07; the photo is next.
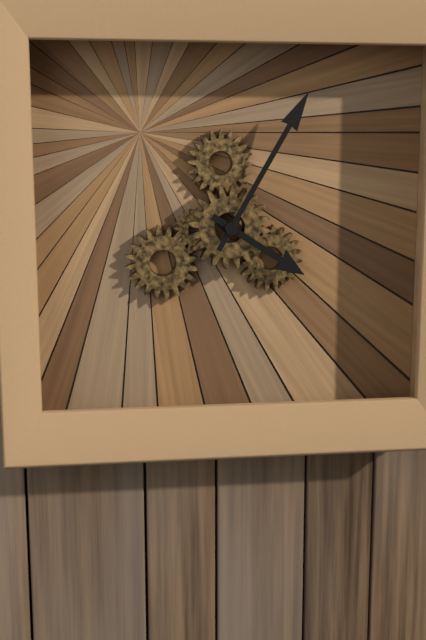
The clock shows 4.05
